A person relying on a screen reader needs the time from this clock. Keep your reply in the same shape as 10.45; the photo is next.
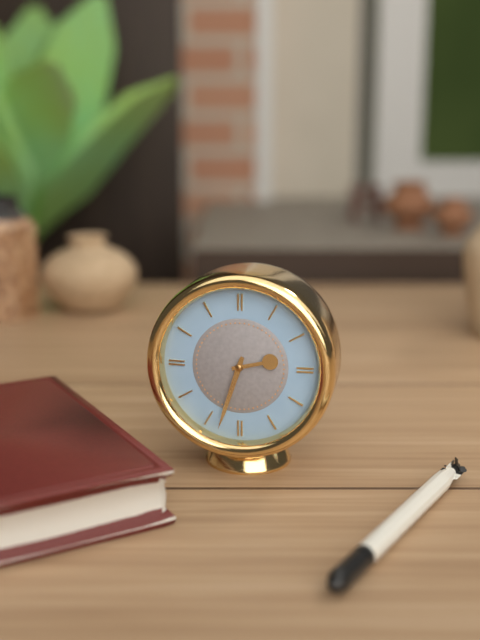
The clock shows 2.33
